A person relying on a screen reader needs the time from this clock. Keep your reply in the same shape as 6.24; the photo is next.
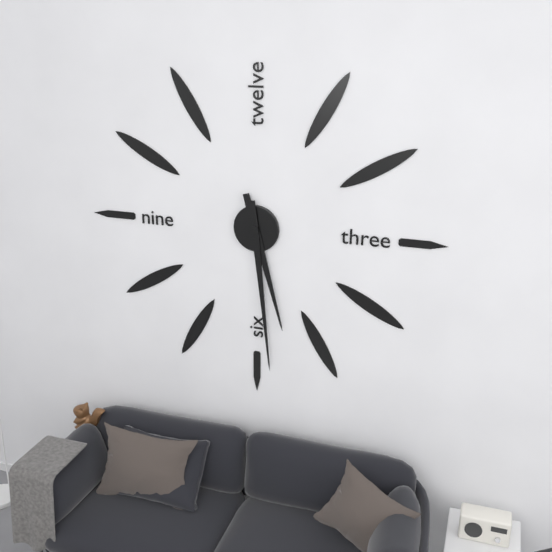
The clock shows 5.29
